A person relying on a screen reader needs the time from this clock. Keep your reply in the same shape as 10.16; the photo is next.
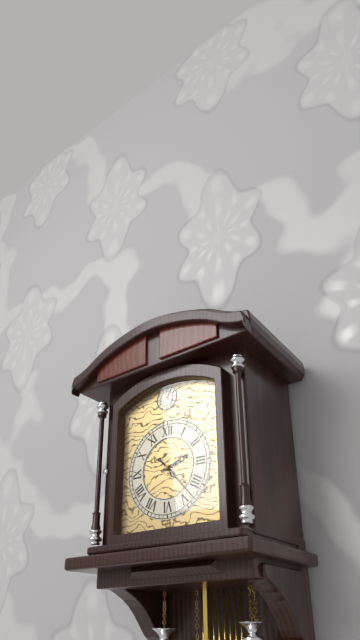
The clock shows 2.23
